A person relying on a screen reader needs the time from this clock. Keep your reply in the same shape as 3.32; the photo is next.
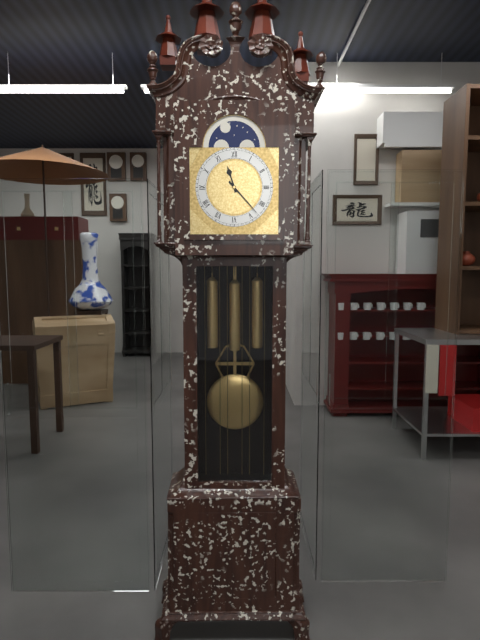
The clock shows 11.23
